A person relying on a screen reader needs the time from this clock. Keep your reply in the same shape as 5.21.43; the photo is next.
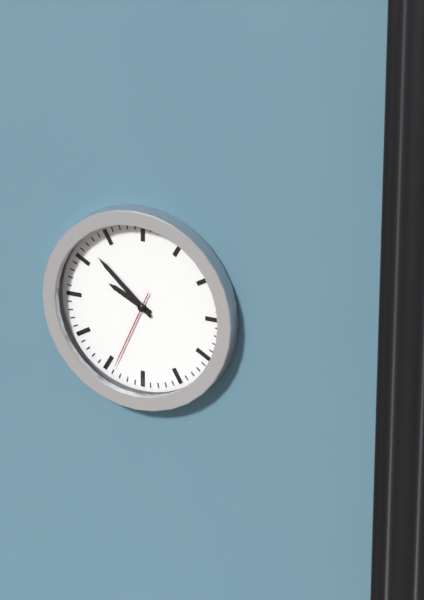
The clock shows 9.52.34
